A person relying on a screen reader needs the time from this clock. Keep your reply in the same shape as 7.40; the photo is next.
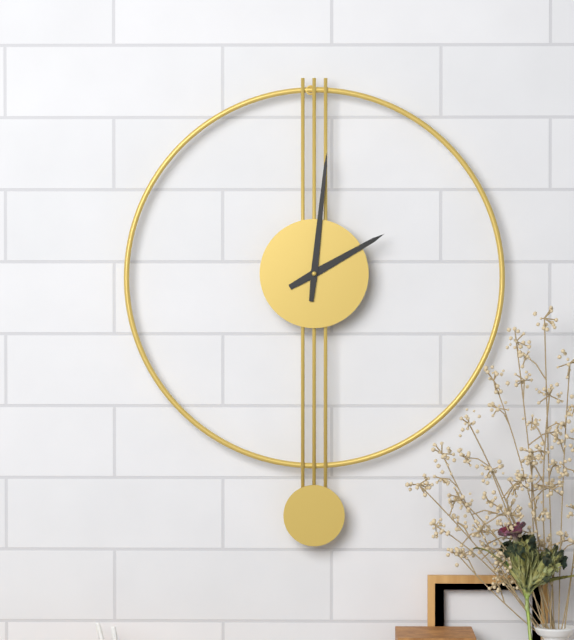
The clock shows 2.01
